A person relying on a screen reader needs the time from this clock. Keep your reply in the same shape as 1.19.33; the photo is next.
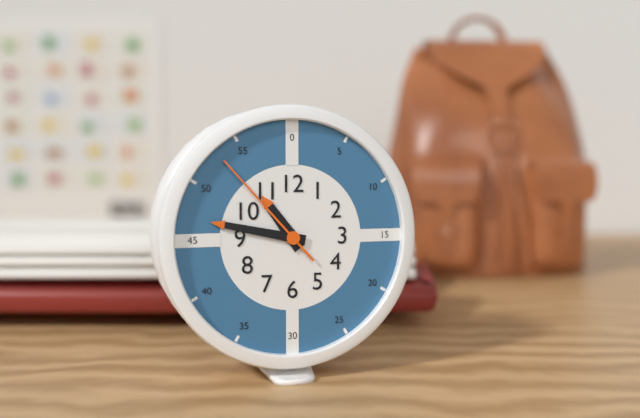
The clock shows 10.47.53
